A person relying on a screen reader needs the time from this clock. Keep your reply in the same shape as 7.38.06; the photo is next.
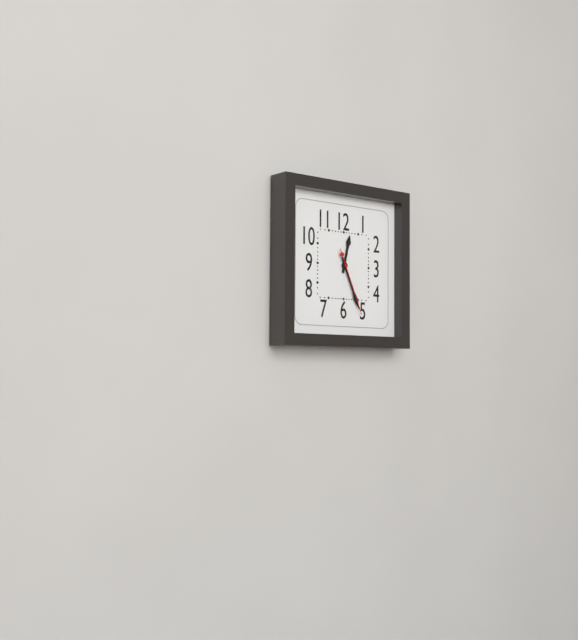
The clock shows 12.26.26
